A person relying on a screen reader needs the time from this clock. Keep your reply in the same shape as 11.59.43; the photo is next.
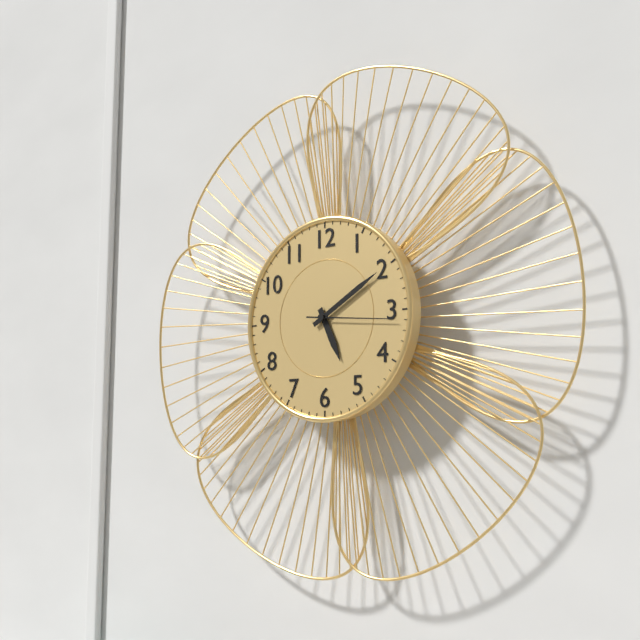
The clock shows 5.10.16
